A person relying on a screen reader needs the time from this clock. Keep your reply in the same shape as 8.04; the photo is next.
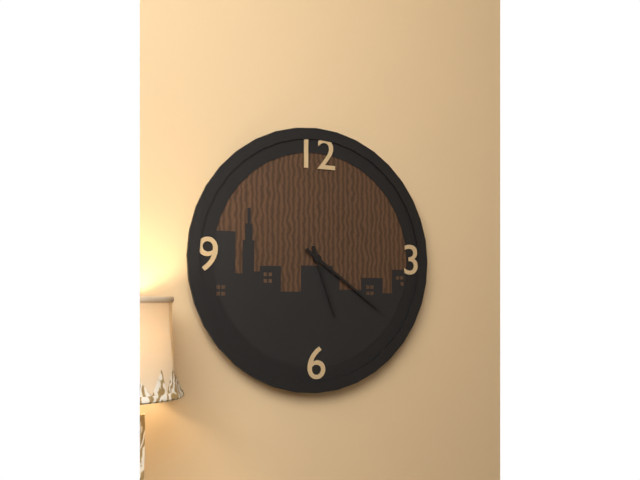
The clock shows 5.21
